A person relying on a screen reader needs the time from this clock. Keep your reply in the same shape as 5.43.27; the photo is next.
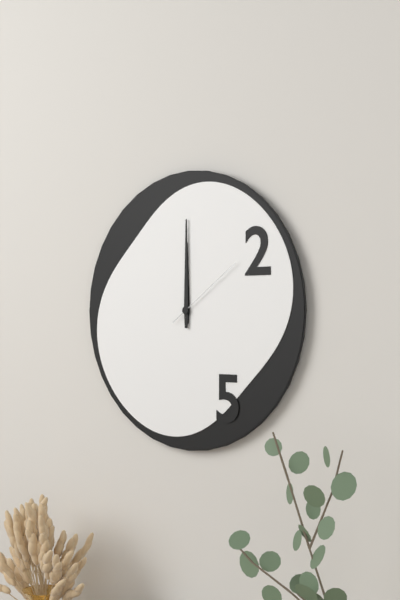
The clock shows 12.00.09
